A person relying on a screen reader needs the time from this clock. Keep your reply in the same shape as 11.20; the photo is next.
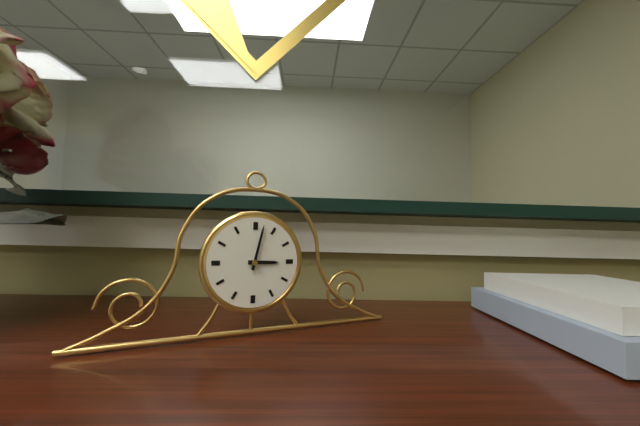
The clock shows 3.02
